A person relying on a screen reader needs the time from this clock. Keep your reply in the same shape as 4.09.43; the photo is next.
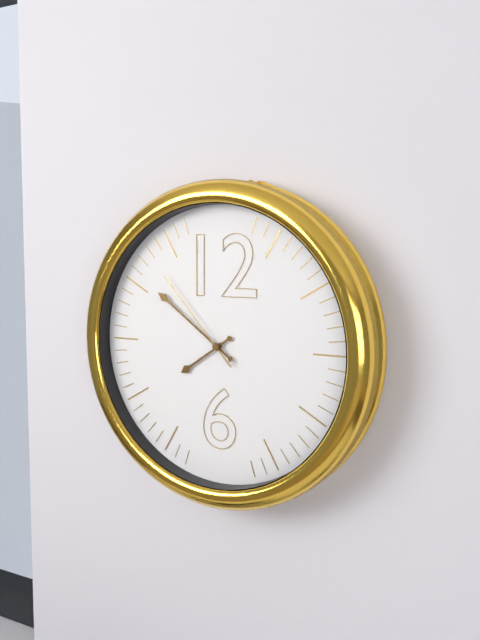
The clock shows 7.51.53
